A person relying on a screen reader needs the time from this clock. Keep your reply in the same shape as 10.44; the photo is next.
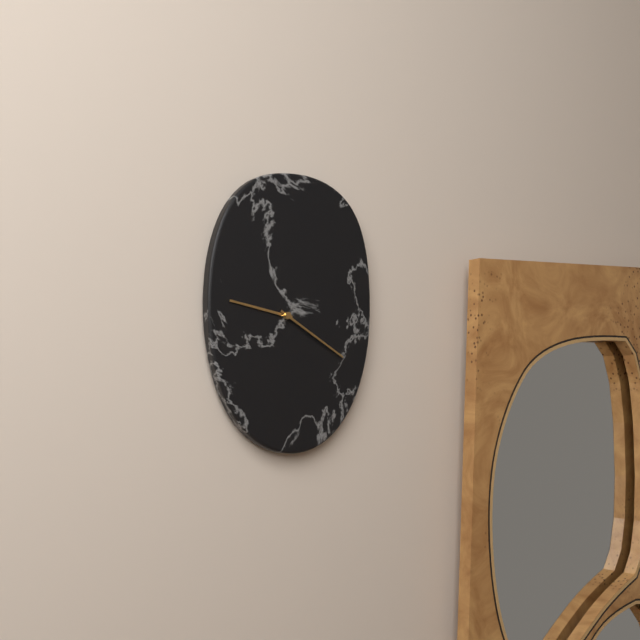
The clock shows 9.20
